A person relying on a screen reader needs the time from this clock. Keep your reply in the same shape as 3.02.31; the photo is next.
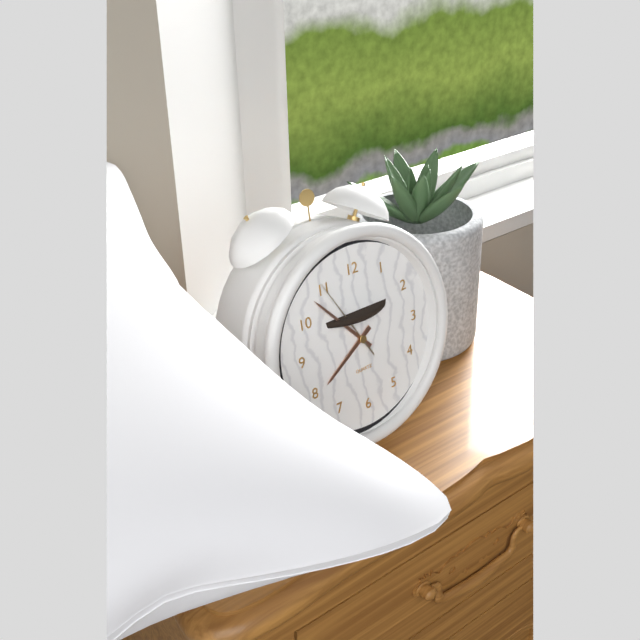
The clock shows 7.53.55
